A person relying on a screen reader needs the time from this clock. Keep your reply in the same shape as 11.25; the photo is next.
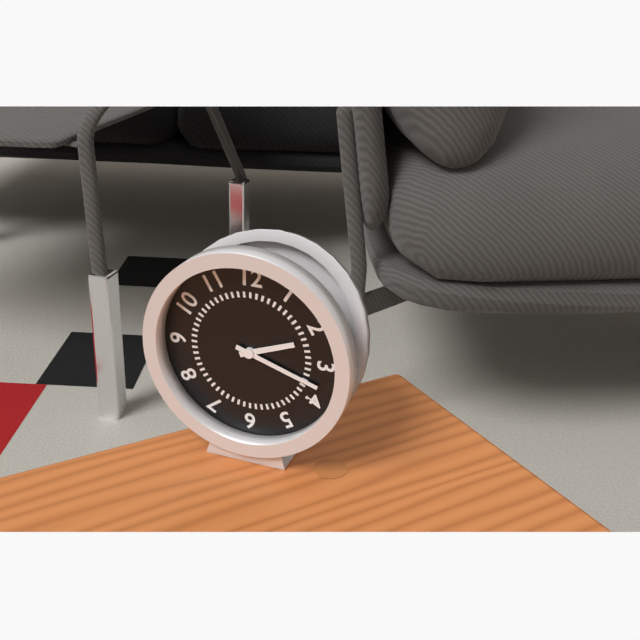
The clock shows 2.18
